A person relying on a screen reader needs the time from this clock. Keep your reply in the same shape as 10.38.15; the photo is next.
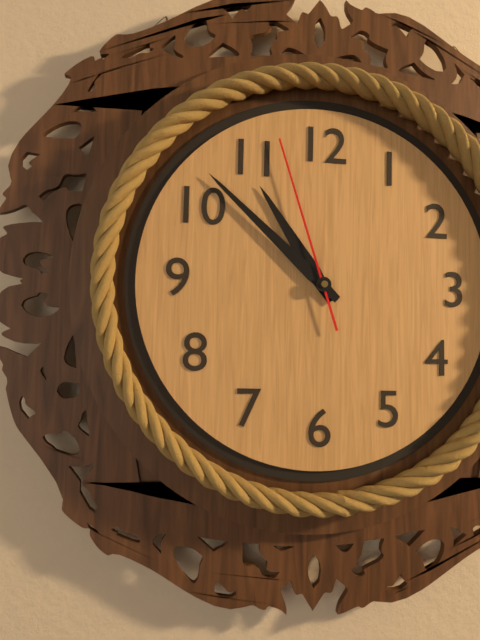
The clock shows 10.52.57
